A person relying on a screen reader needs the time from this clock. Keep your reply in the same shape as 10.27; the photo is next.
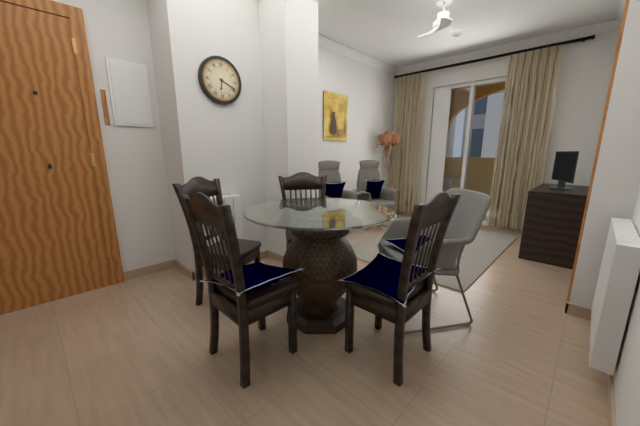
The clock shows 6.19
